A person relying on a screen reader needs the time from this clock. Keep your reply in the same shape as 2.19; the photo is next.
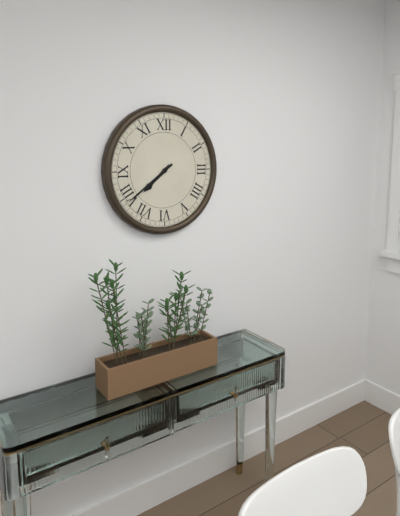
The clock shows 7.39
